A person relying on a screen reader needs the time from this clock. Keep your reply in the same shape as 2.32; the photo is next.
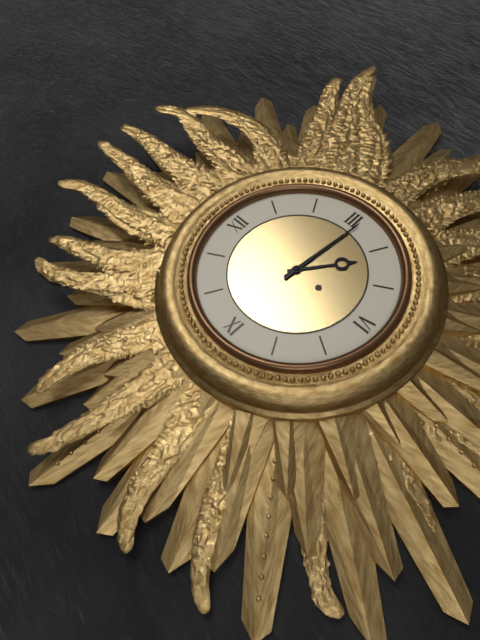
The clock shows 4.16
